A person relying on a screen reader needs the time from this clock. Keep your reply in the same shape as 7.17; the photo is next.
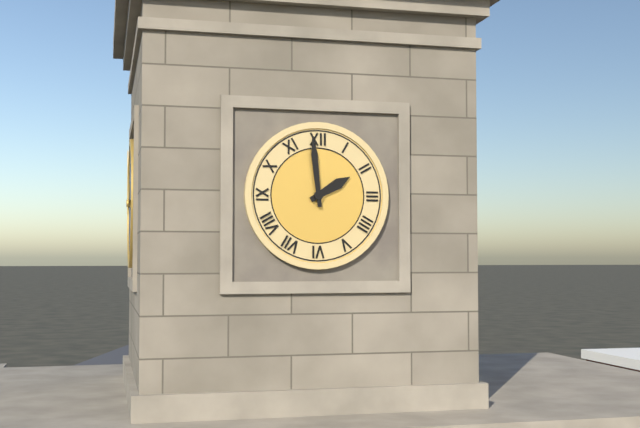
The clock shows 1.59
